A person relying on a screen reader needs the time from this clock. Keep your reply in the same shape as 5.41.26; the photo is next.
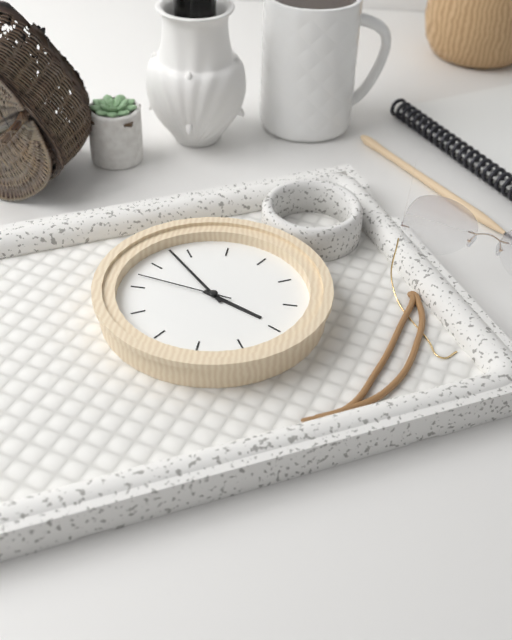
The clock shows 3.53.47
